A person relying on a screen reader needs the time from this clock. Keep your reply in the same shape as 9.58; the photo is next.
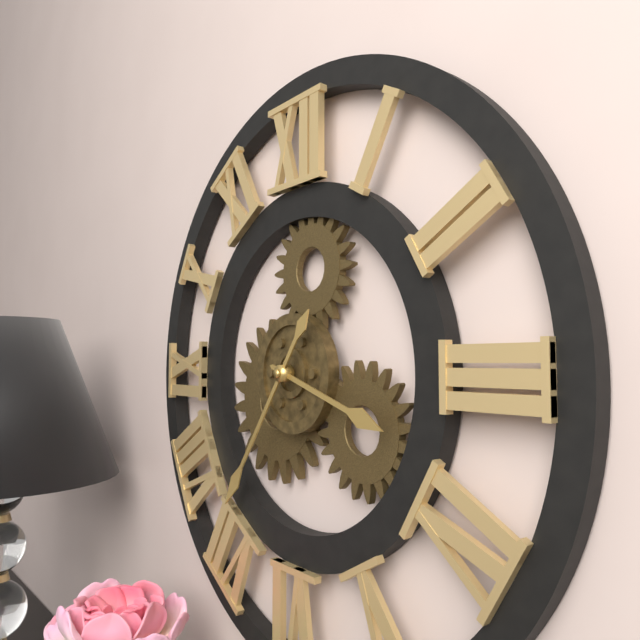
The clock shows 3.36
